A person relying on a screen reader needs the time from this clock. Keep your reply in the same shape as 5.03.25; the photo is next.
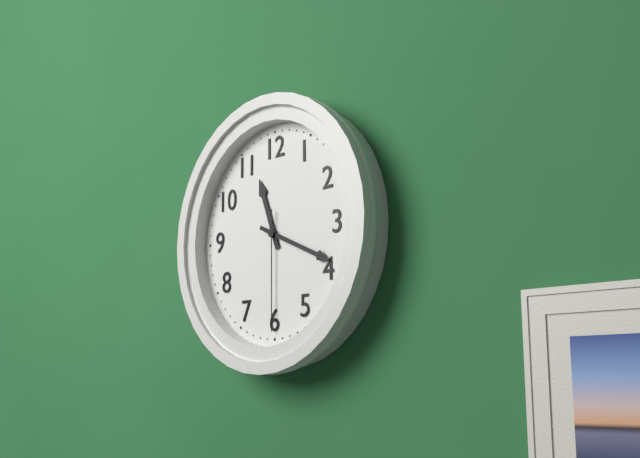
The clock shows 11.19.30
